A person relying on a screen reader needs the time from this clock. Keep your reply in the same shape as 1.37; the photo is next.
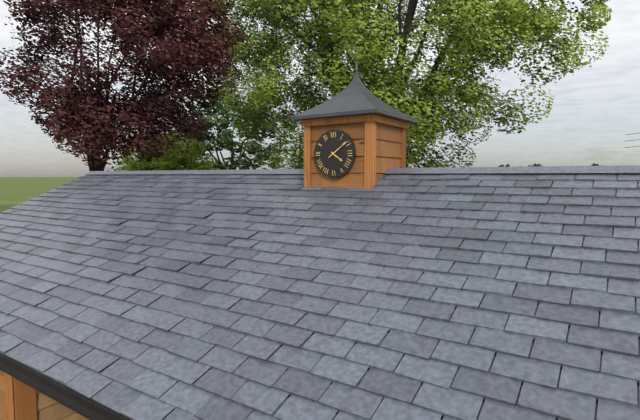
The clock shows 4.09
